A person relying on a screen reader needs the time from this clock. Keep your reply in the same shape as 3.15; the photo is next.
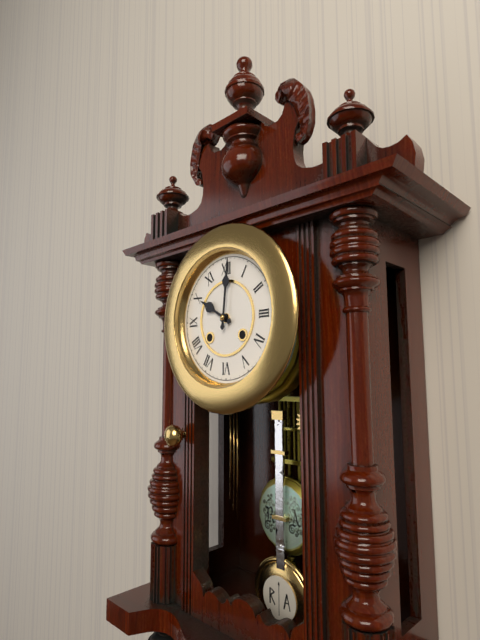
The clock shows 10.01
